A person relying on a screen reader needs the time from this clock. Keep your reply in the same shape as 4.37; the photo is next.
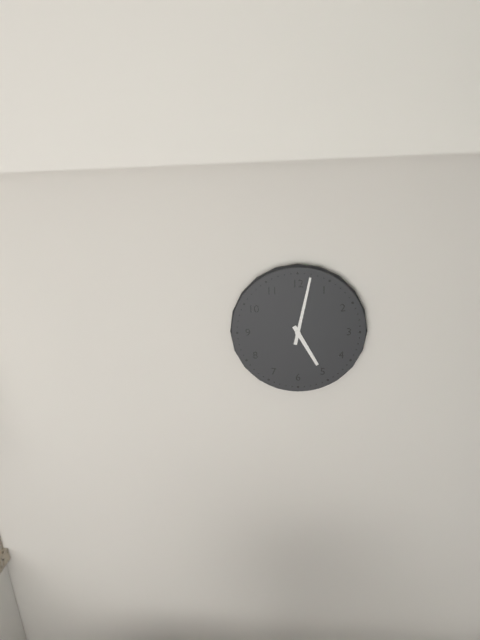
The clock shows 5.02
